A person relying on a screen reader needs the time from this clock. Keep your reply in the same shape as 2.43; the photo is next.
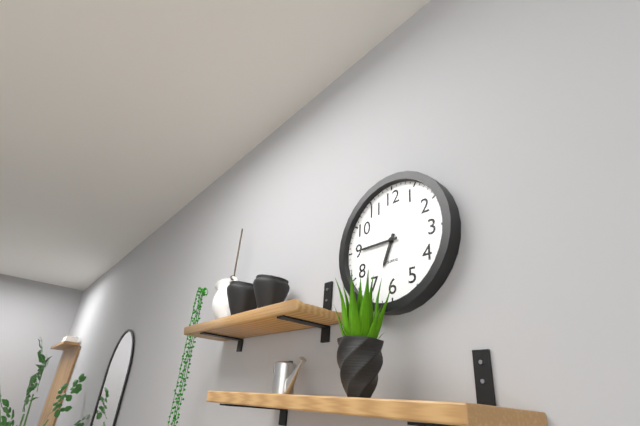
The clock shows 6.45
